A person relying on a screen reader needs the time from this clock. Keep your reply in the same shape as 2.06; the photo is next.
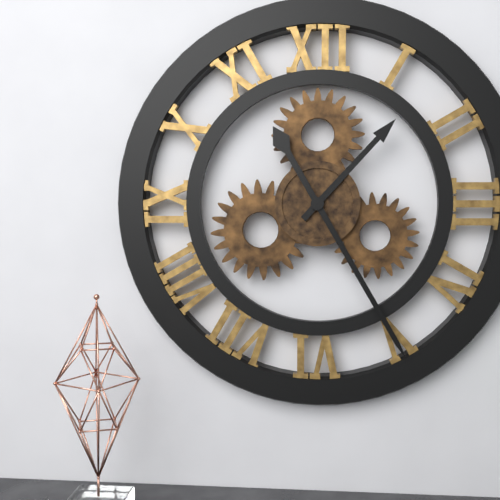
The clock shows 1.25
